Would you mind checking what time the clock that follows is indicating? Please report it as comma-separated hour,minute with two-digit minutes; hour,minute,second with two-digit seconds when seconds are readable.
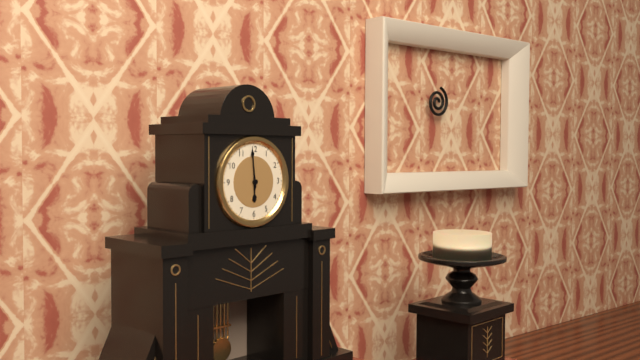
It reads 5,59
